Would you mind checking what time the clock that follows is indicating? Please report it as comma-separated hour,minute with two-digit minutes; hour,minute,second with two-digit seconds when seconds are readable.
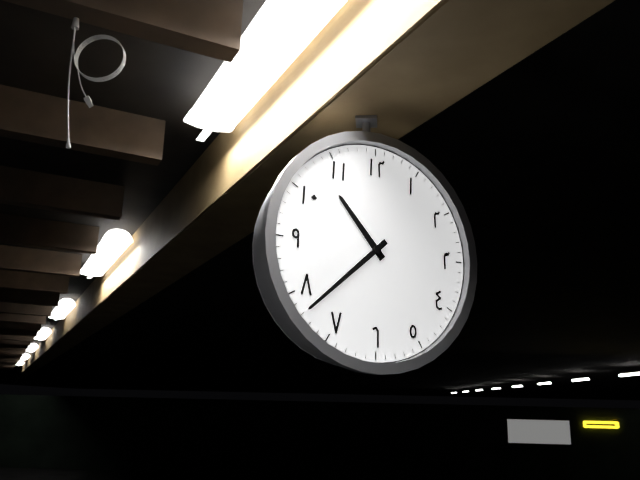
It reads 10,38
